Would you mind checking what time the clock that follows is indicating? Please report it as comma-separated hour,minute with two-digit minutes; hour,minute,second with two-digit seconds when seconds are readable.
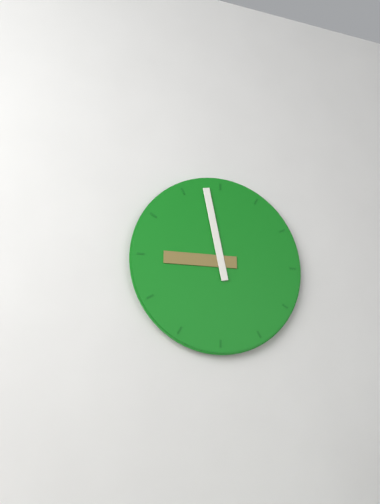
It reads 8,58
